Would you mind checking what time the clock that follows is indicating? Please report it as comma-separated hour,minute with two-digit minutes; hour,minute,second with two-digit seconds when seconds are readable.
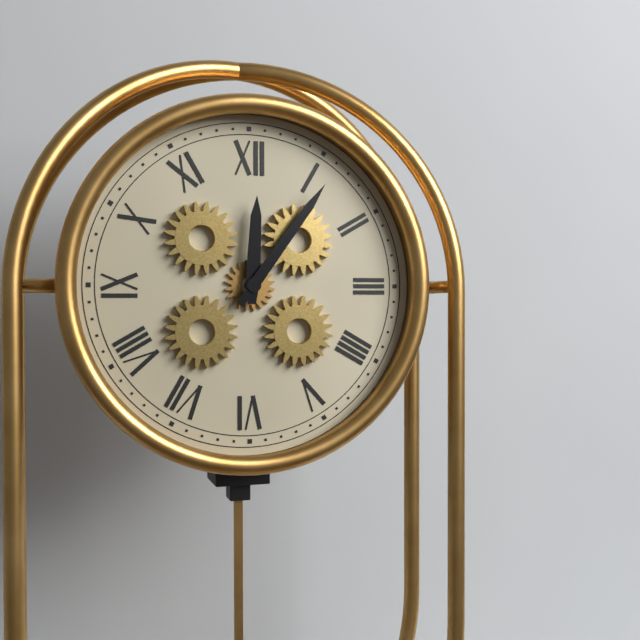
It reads 12,06
